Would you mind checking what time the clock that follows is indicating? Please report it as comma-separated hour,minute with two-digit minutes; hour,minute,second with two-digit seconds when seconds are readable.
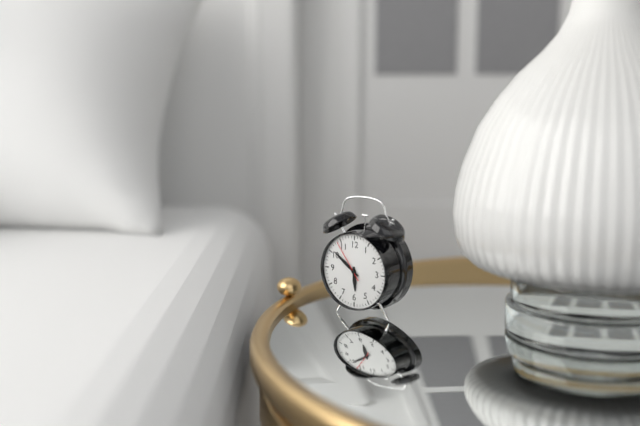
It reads 5,51
